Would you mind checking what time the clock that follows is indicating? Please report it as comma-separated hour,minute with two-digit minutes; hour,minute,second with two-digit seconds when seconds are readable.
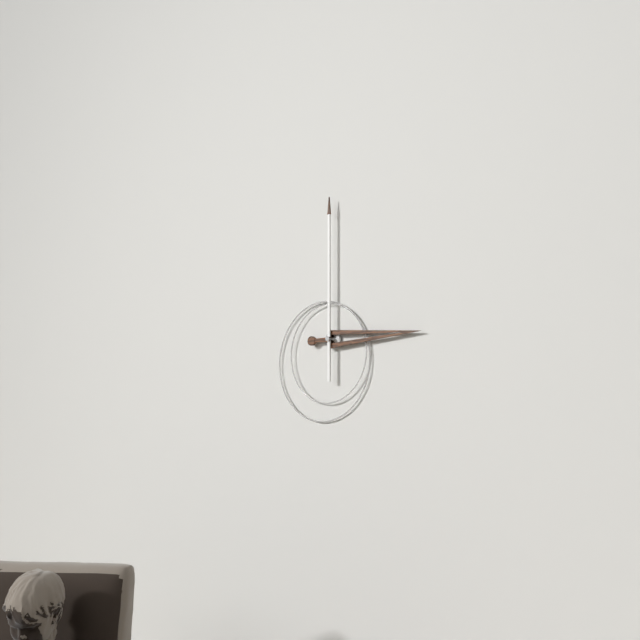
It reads 3,00
